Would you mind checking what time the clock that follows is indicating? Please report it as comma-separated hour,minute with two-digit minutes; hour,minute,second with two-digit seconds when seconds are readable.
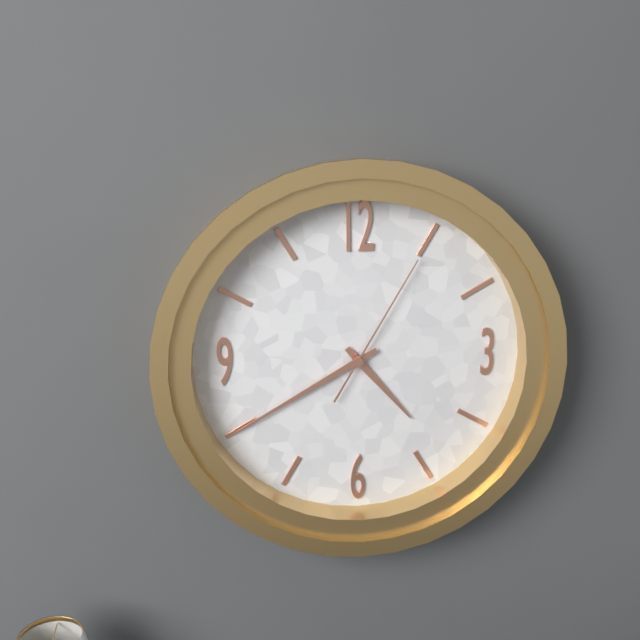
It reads 4,40,05
